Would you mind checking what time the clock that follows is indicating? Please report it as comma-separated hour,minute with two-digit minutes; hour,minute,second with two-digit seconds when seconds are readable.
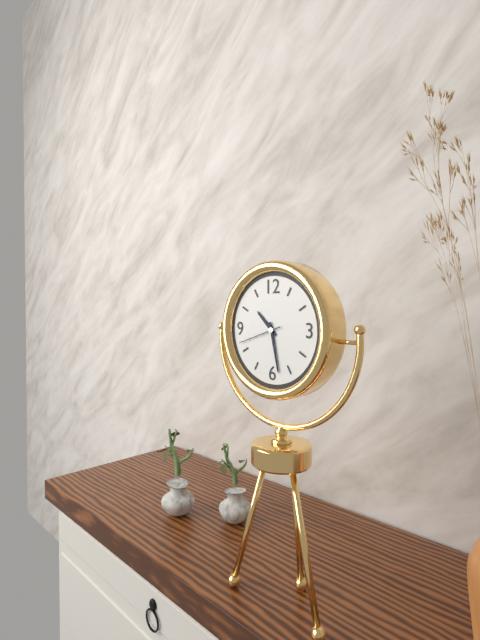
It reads 10,28
